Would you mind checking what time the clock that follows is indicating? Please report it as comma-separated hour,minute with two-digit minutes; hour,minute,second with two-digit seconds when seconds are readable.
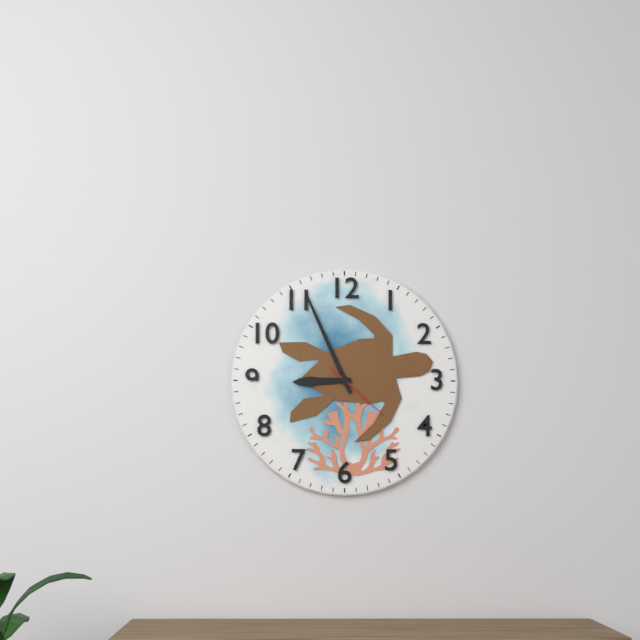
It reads 8,56,22
